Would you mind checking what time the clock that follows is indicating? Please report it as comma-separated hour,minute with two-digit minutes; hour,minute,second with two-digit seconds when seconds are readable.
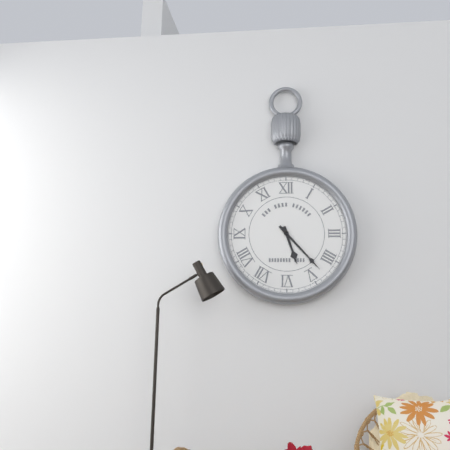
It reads 5,23
